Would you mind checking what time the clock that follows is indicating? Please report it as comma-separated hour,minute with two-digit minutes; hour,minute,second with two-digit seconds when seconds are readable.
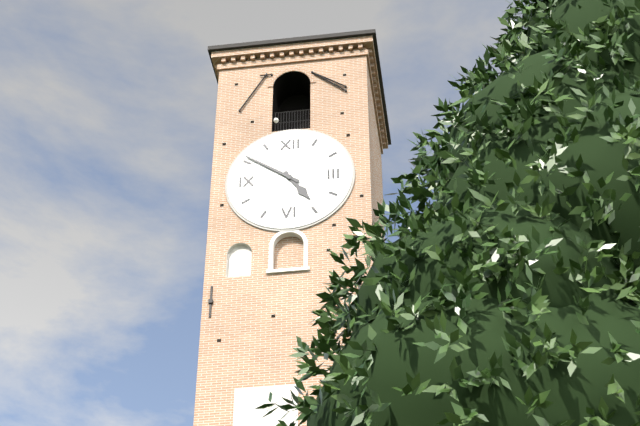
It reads 4,51
